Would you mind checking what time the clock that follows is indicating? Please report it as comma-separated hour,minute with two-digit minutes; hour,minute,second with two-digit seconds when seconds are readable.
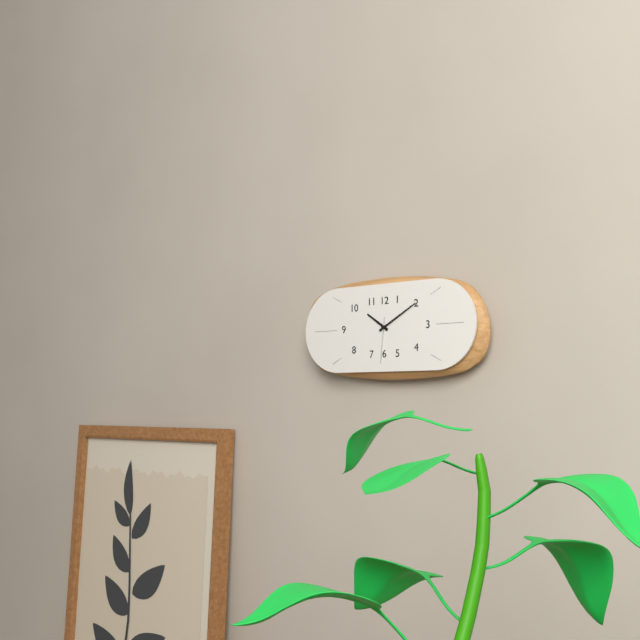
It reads 10,10
